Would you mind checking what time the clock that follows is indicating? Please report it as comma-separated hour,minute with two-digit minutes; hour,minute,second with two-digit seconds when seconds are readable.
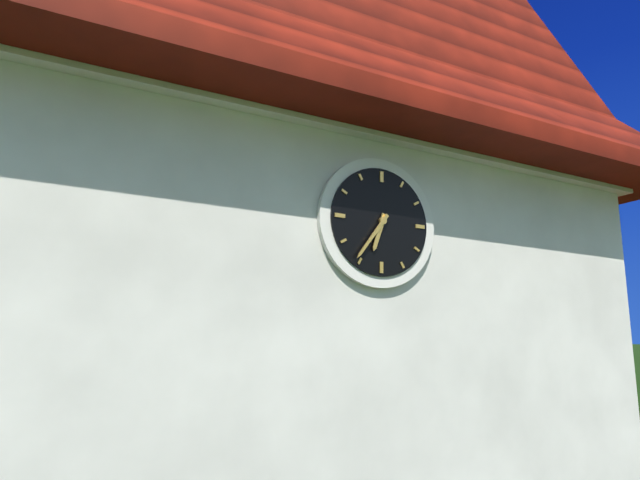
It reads 6,36
